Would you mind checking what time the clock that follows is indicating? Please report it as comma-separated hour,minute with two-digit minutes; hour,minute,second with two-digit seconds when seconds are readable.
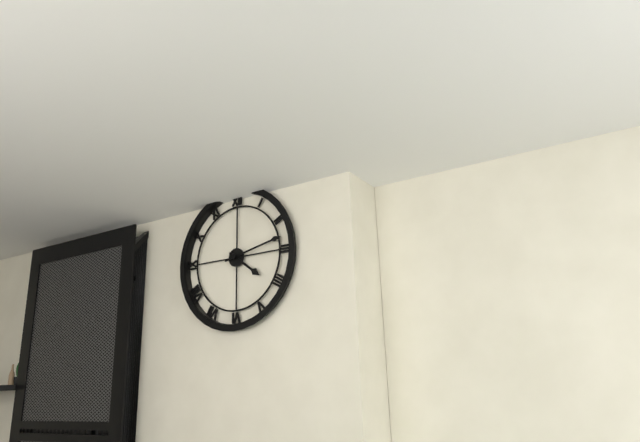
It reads 4,13
